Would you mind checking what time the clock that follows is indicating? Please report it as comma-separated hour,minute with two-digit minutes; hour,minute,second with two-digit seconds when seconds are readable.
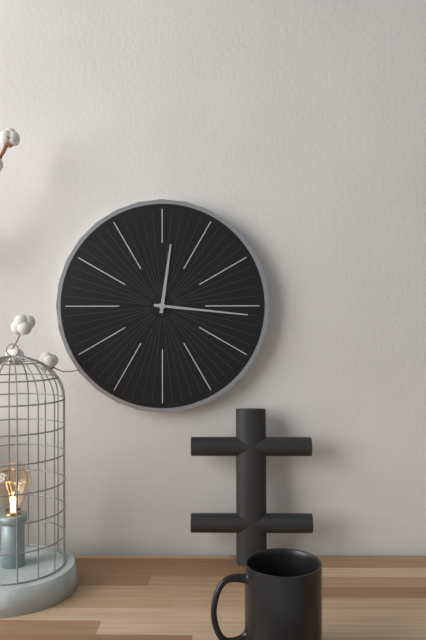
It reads 12,16
